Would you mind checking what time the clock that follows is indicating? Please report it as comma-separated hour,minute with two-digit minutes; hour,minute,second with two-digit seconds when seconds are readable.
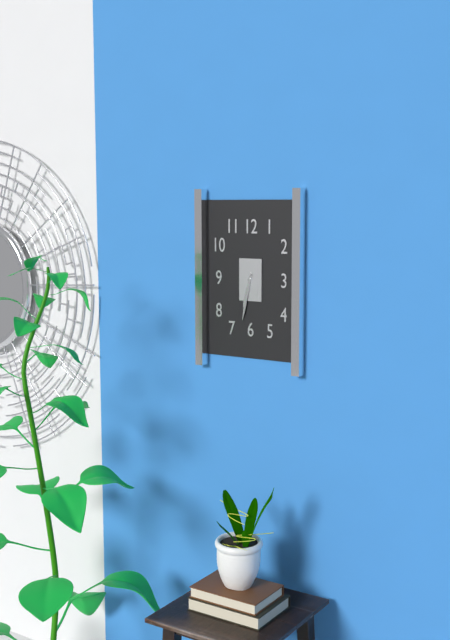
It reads 6,32
